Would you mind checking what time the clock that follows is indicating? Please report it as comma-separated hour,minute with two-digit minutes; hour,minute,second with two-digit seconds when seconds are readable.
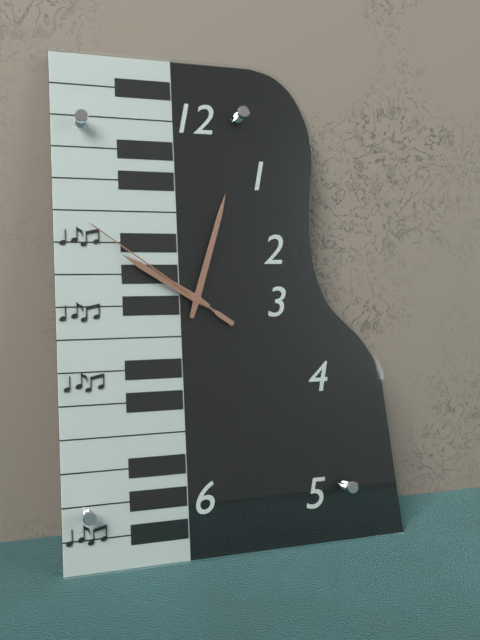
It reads 10,03,51
